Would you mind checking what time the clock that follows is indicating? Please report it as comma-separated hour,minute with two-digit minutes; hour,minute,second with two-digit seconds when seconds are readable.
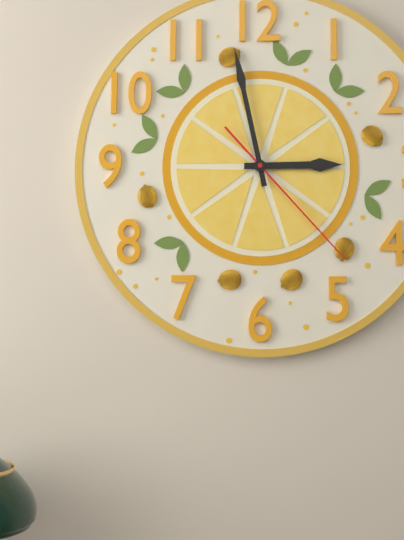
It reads 2,58,23
